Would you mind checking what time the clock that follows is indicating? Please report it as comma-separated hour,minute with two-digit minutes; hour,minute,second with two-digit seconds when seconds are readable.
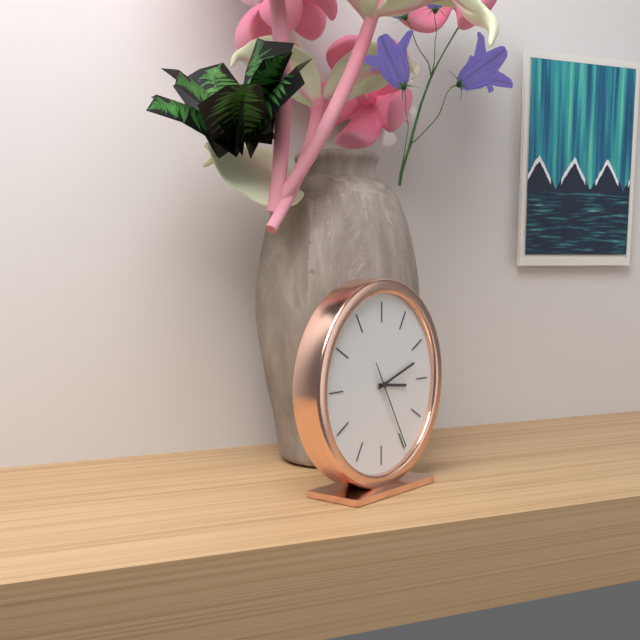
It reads 3,12,25
